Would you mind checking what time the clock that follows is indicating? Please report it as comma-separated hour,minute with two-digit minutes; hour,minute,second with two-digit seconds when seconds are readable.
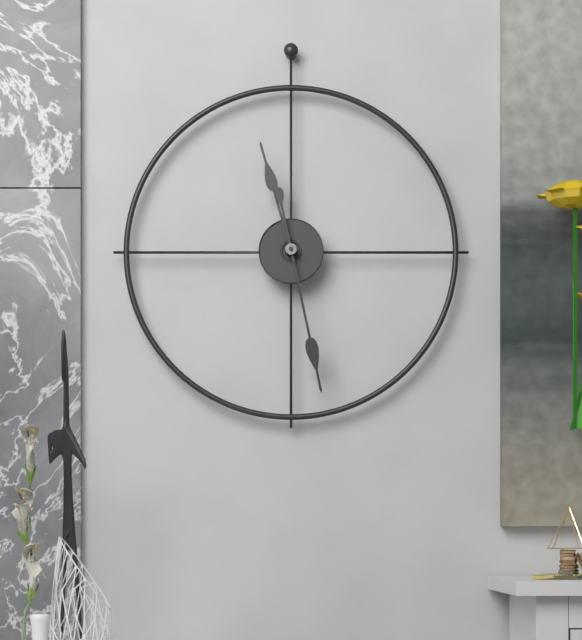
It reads 11,28
